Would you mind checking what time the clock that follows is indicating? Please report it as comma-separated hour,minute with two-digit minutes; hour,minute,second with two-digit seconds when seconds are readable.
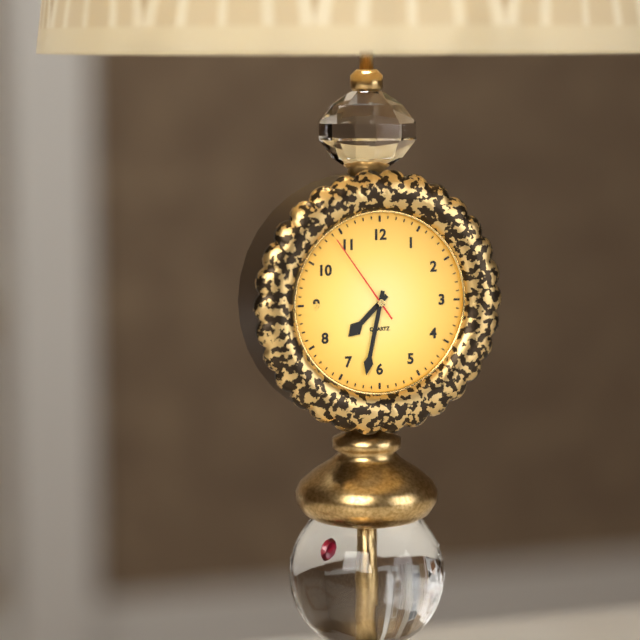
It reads 7,32,54
